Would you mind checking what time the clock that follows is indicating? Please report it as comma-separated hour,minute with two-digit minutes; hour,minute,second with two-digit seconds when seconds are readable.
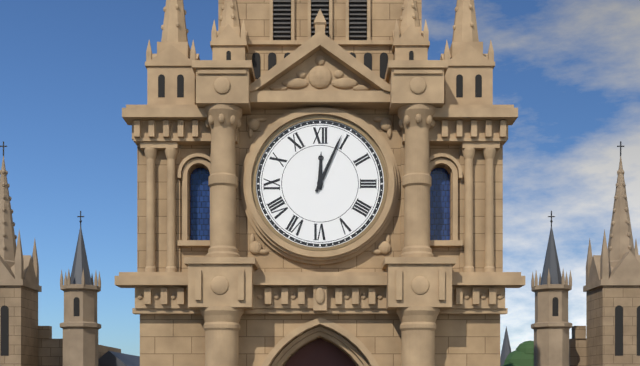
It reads 12,04
